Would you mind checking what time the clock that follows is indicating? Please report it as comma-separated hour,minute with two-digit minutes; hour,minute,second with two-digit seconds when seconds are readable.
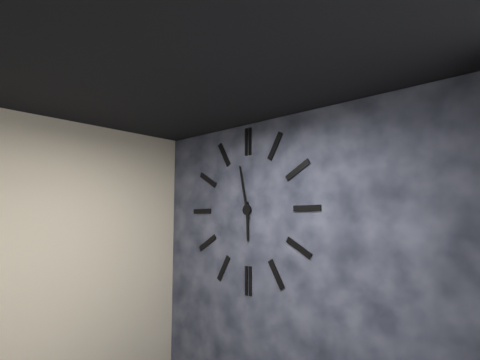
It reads 5,58
